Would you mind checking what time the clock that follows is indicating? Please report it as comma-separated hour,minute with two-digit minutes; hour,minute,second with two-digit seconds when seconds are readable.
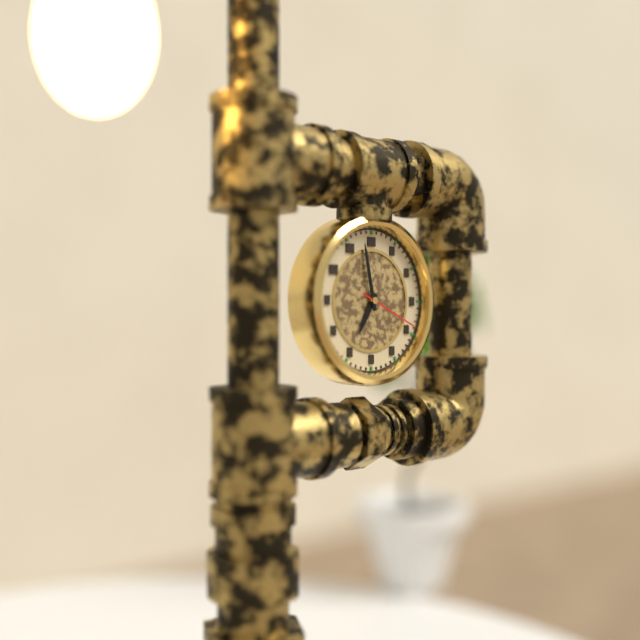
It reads 6,58,19
